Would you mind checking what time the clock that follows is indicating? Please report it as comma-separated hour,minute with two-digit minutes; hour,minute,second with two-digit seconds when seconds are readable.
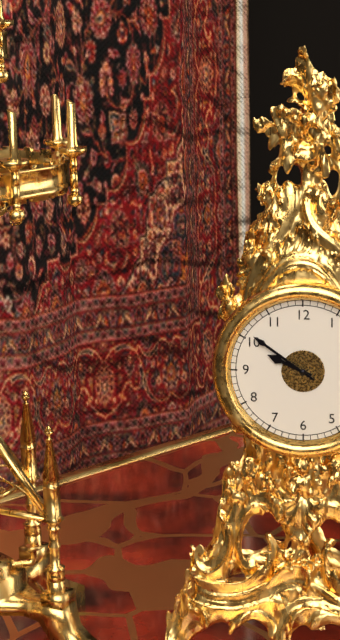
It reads 9,51
